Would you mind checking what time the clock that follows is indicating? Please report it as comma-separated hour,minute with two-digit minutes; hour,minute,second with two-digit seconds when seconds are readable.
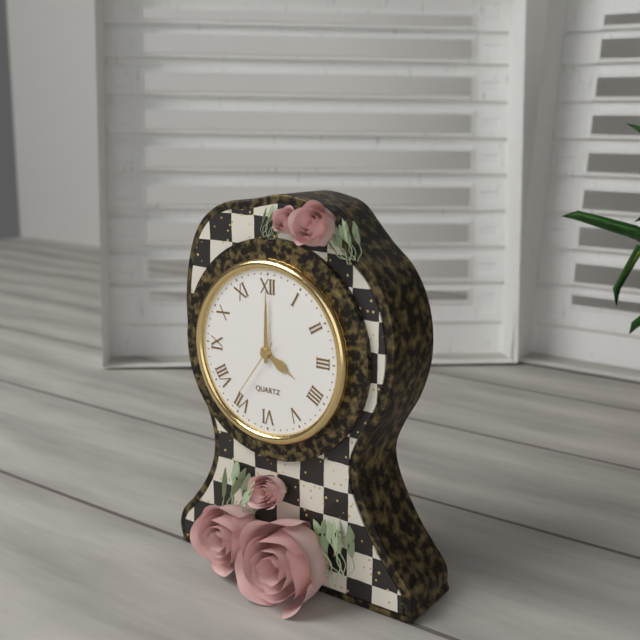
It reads 4,00,36
